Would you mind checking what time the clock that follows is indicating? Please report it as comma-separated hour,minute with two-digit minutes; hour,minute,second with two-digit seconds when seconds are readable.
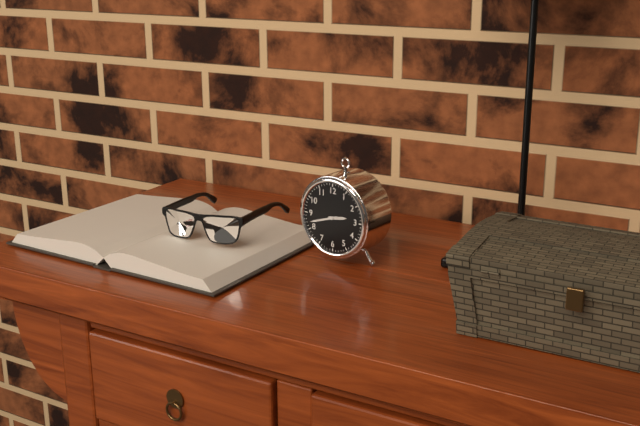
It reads 2,42
